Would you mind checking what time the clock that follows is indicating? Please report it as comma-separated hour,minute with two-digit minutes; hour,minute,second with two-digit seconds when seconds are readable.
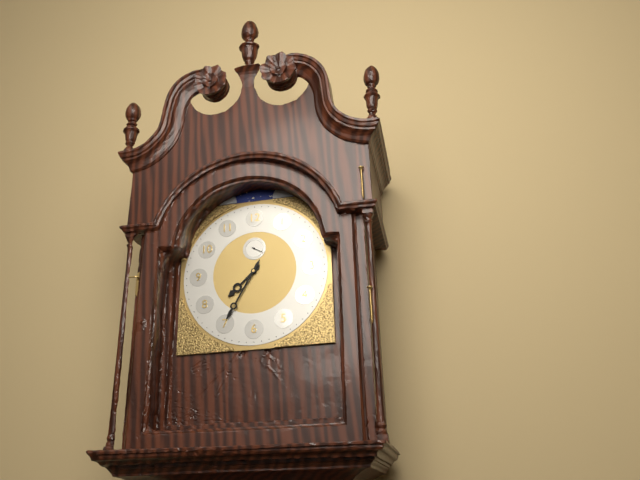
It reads 7,35
